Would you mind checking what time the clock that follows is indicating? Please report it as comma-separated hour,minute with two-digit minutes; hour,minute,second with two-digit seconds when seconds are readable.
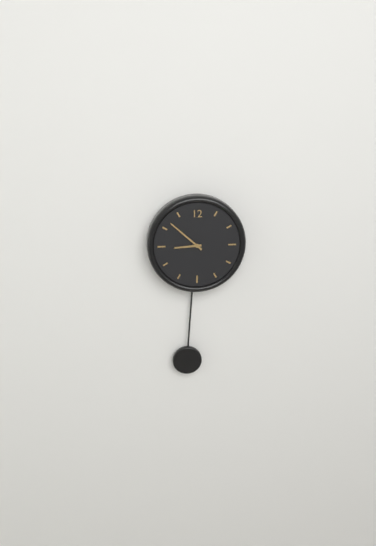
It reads 8,52
